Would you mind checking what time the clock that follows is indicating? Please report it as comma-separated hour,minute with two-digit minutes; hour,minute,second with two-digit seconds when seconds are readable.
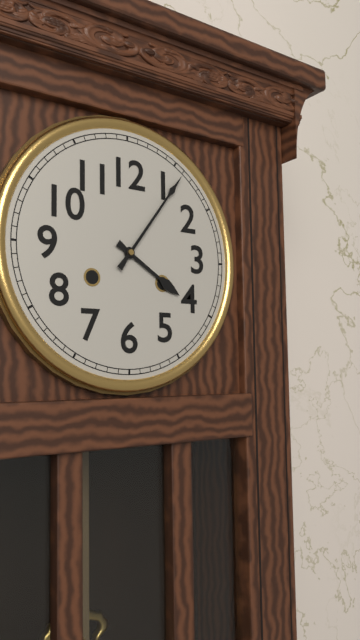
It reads 4,06
